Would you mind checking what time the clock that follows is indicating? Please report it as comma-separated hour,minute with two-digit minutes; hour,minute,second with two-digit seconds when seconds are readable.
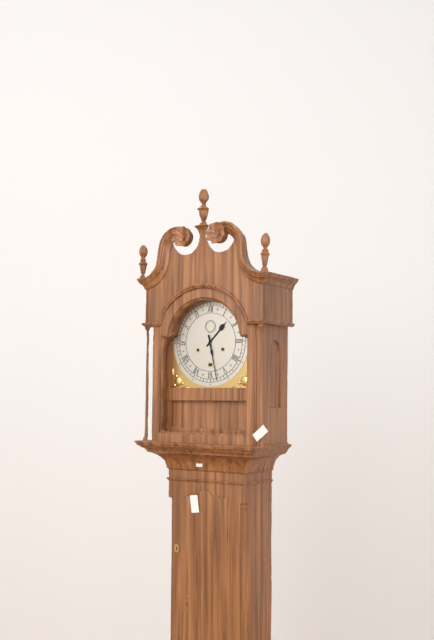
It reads 1,28
